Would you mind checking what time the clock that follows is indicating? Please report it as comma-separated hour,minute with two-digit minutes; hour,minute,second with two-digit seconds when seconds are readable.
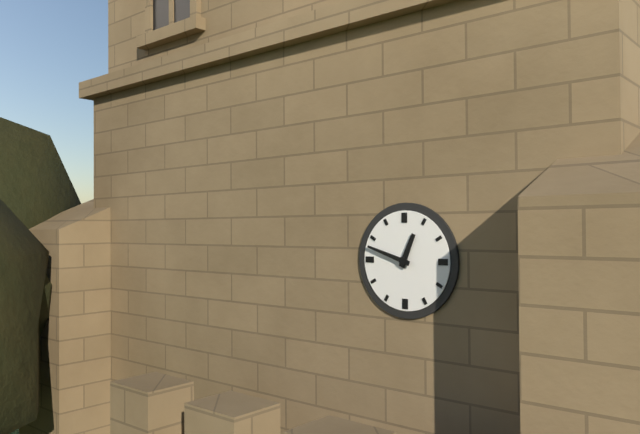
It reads 12,48
